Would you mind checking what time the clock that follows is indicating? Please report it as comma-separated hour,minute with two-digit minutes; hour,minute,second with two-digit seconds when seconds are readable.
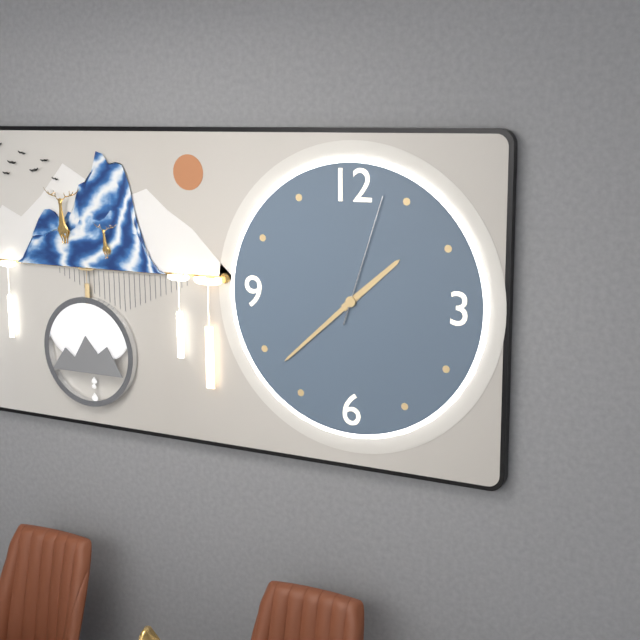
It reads 1,38,03
